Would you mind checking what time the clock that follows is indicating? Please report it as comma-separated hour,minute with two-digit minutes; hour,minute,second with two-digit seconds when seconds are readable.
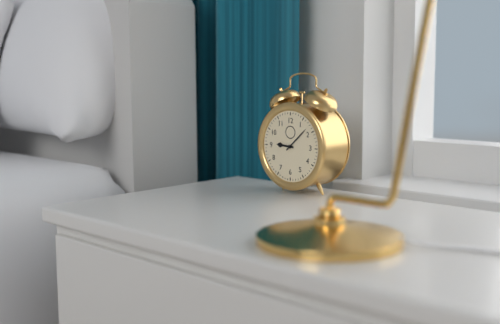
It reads 9,08
